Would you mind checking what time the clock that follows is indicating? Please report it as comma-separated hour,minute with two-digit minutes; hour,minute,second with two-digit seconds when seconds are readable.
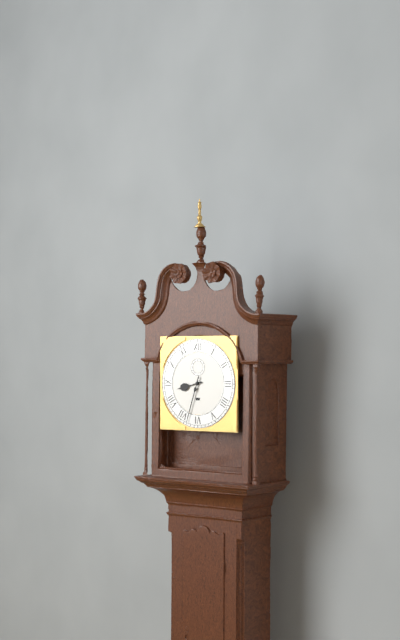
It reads 8,33
